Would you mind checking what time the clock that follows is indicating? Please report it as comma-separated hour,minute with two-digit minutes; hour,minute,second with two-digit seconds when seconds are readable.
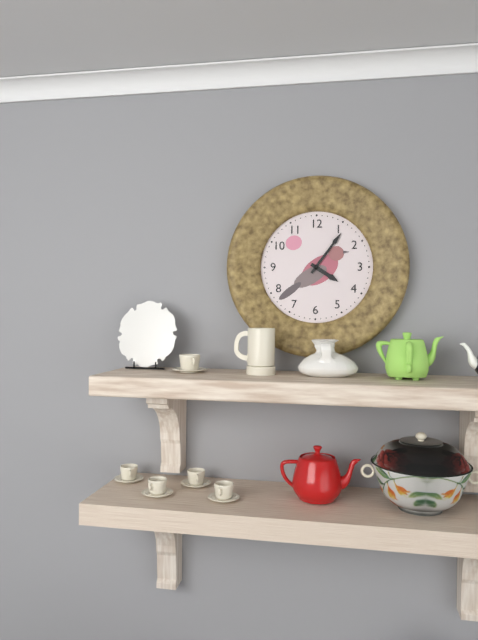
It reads 4,06
